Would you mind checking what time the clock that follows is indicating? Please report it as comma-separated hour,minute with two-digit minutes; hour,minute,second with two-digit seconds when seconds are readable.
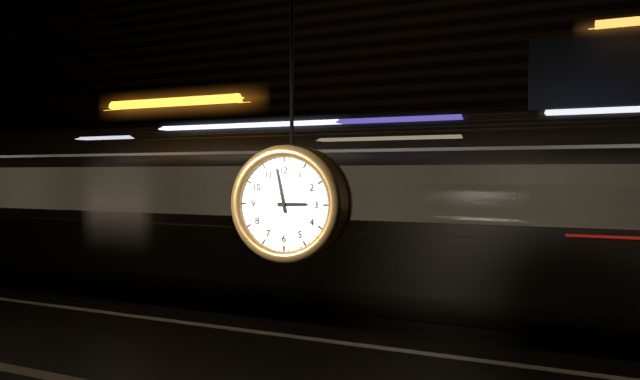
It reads 2,58
